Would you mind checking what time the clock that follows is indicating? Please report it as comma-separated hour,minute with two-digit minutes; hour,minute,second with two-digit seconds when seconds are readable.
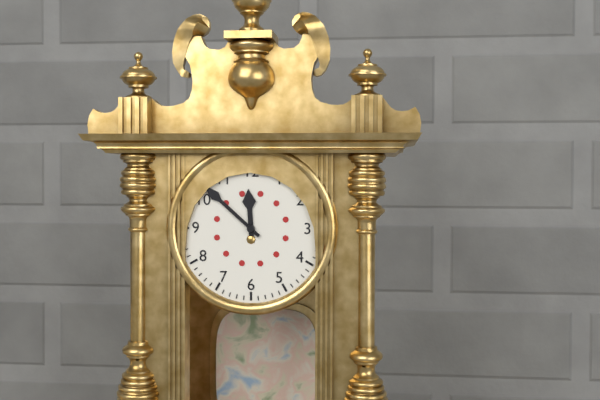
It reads 11,52
